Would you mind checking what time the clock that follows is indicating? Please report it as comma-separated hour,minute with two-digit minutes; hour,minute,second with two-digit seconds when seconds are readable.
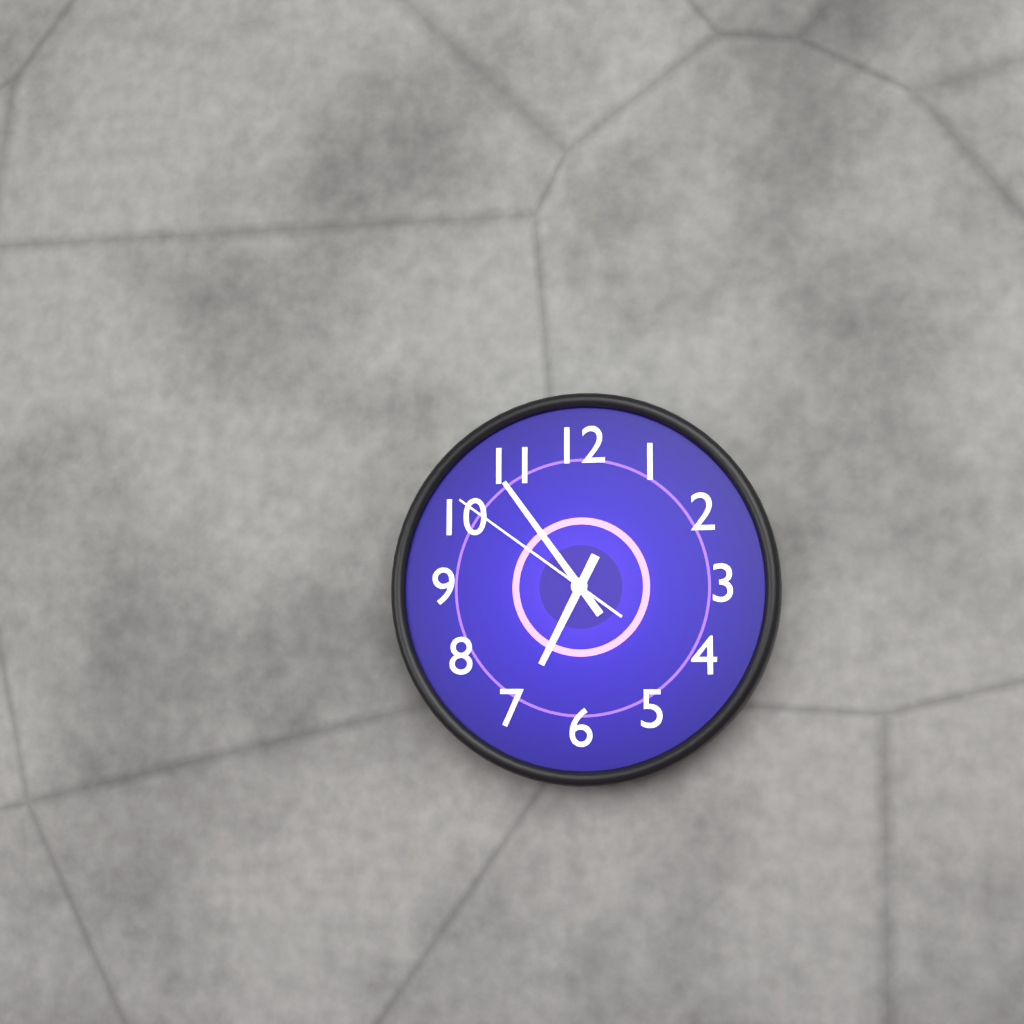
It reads 6,54,51
